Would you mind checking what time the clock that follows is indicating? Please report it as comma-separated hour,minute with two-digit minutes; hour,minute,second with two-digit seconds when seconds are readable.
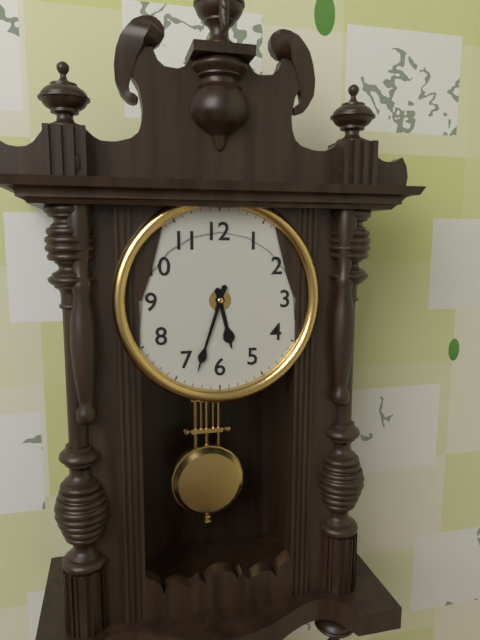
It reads 5,33
